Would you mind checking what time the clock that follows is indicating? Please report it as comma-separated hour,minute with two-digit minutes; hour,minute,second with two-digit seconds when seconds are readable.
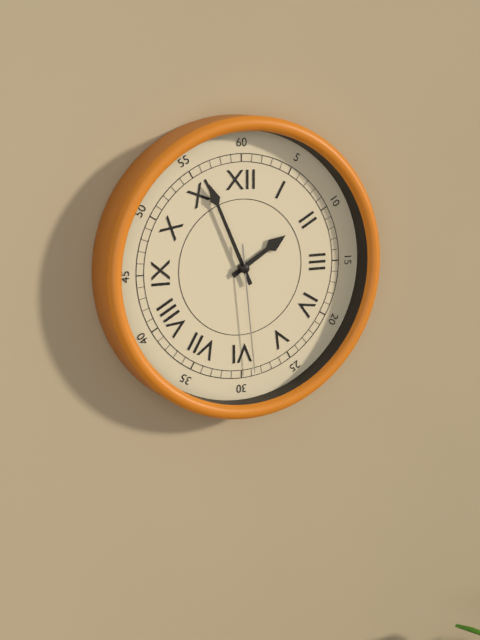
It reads 1,56,29
